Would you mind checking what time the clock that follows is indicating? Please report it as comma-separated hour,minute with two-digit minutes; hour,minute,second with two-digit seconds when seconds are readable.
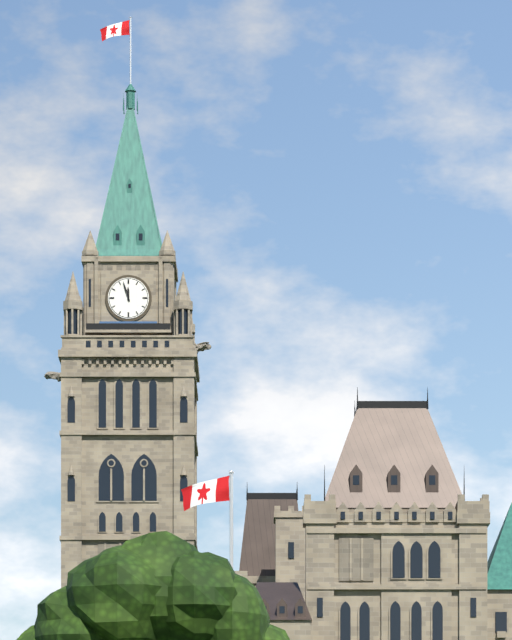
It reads 11,57
